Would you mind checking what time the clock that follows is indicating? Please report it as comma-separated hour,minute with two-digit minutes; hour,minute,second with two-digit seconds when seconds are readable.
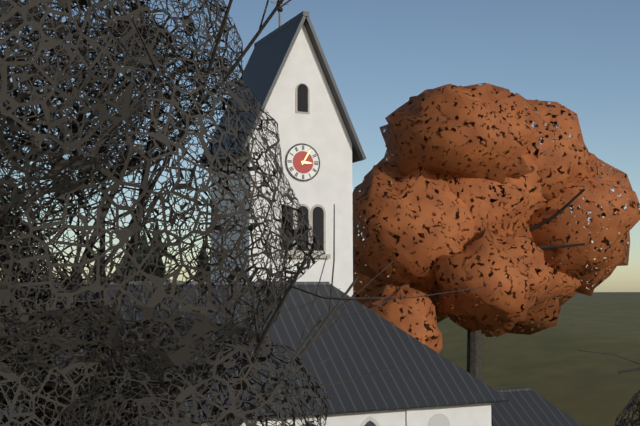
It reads 3,05
